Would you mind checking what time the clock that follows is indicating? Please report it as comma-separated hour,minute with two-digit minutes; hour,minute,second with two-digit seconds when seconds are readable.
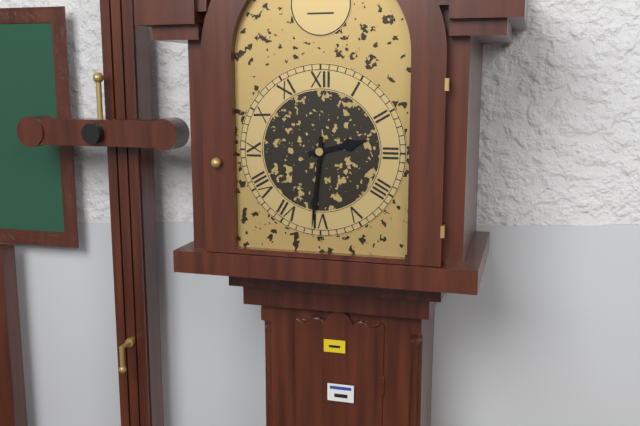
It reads 2,31
